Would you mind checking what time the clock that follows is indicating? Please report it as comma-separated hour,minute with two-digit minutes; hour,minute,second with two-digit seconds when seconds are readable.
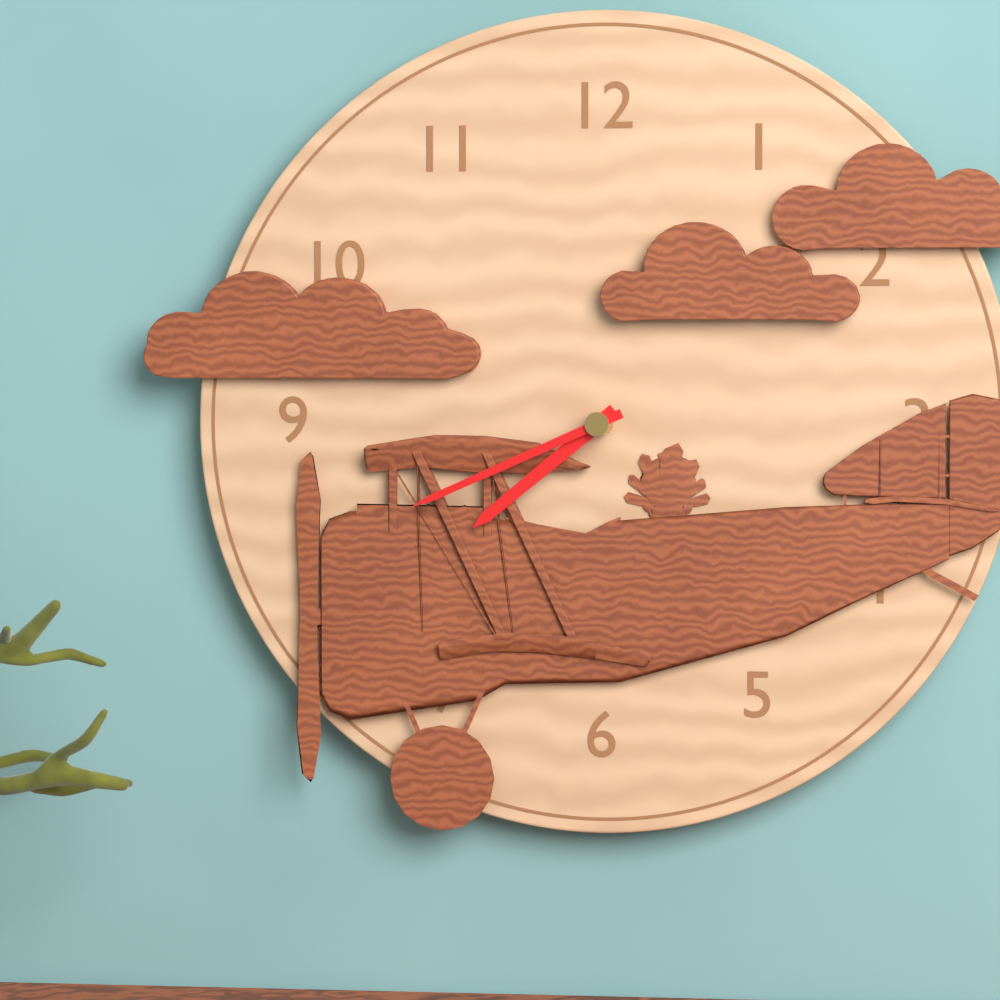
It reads 7,41
